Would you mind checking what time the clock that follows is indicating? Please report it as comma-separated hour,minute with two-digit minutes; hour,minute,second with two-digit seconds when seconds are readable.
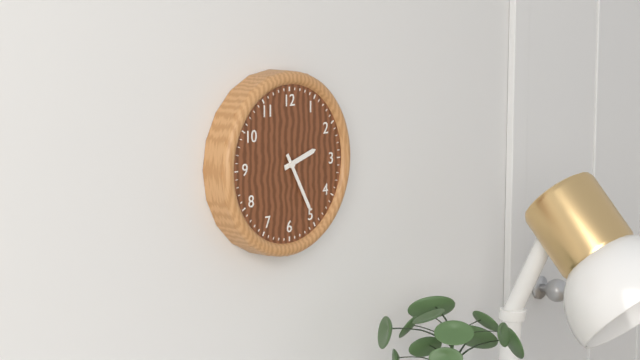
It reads 2,25
